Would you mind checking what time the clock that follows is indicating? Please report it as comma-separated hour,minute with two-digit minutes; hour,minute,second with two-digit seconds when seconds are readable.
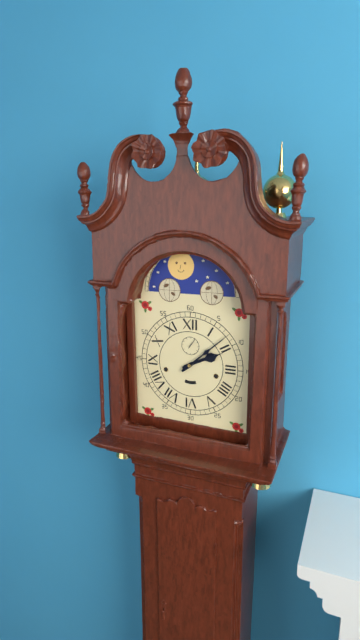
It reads 2,08
